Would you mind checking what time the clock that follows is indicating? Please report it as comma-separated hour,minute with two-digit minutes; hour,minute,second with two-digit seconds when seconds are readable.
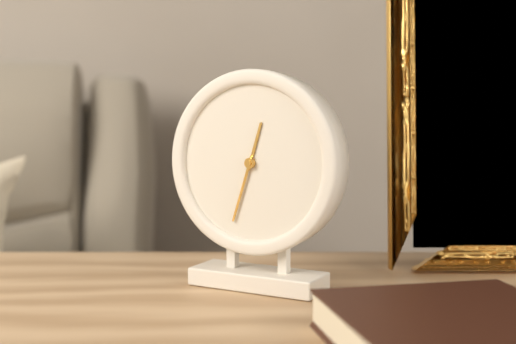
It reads 12,33
